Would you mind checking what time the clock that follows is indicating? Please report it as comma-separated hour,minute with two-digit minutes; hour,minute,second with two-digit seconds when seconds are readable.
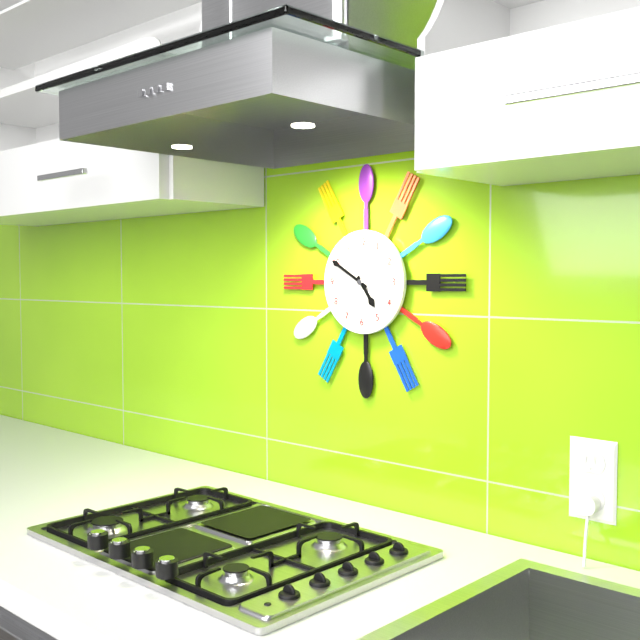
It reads 4,50
